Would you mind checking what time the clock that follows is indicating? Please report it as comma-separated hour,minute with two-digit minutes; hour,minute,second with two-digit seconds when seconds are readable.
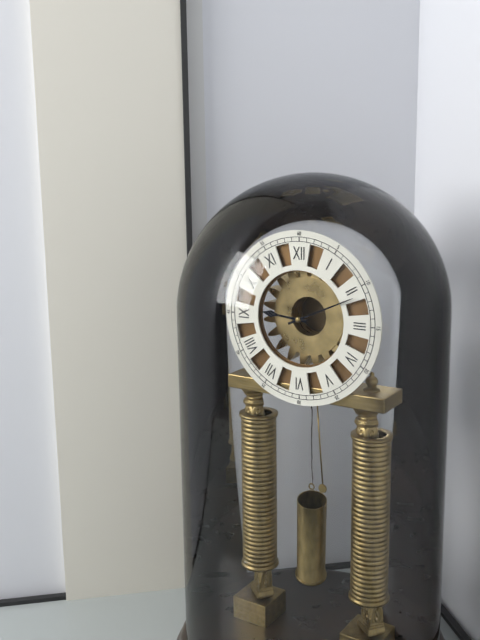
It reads 9,11
